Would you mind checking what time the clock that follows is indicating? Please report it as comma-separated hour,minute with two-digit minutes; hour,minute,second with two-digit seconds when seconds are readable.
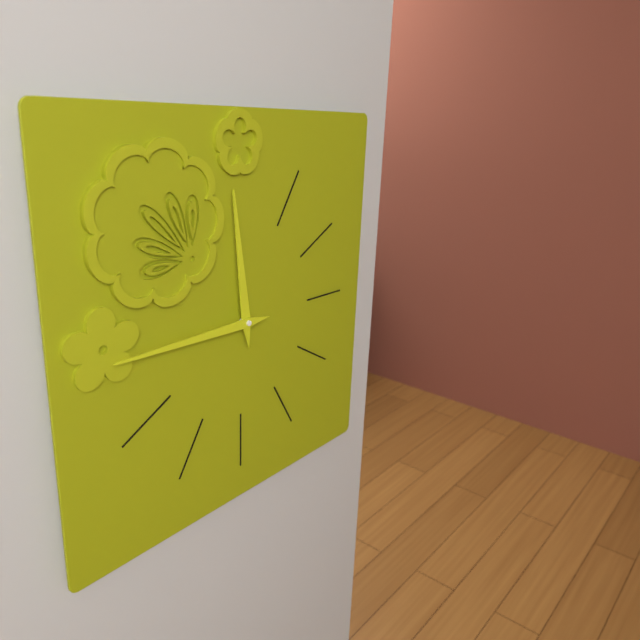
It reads 11,45
